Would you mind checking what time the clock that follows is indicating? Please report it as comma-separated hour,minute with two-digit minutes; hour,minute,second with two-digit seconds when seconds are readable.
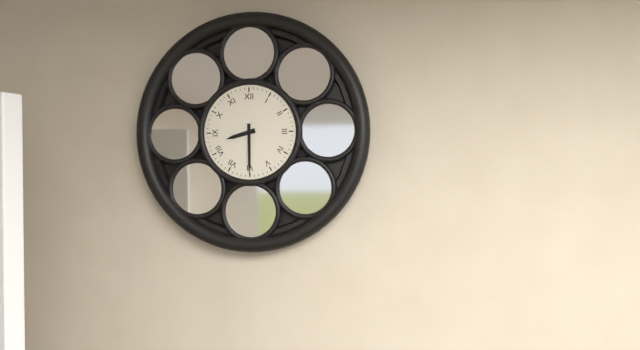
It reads 8,30
